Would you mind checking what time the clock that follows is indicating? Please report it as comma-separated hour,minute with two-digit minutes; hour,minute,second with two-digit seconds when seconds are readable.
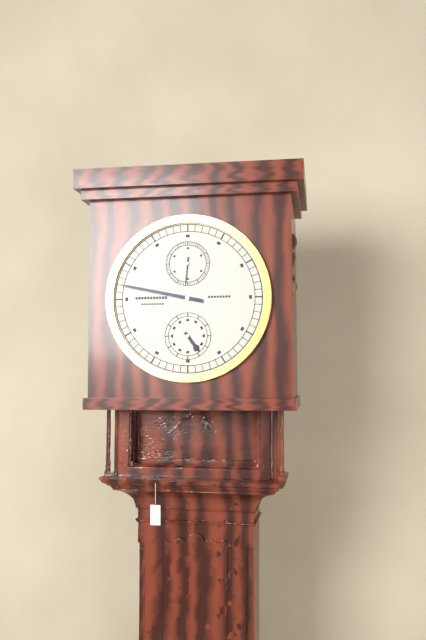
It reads 4,47
